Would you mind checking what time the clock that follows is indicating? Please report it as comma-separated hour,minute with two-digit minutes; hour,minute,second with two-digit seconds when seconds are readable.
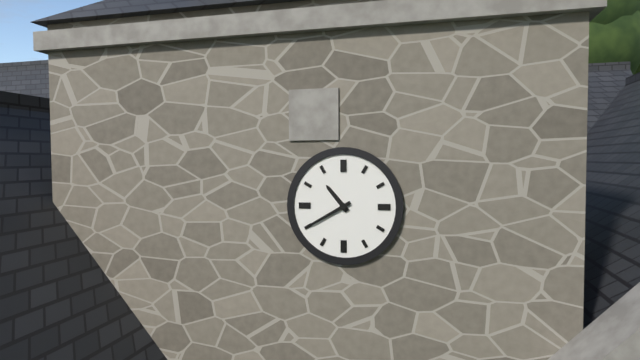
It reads 10,40
